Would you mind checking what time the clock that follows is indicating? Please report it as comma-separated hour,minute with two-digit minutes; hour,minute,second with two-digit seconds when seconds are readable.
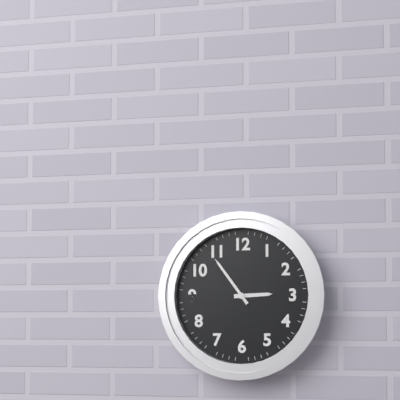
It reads 2,54
